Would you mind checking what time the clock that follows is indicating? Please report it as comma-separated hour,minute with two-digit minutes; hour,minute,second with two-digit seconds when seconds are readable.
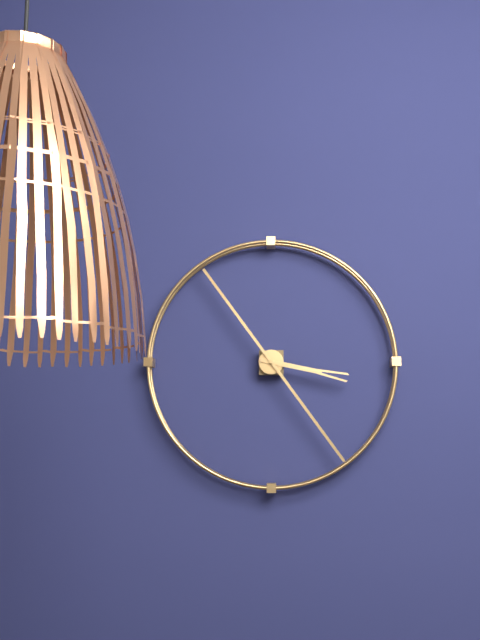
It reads 3,24
